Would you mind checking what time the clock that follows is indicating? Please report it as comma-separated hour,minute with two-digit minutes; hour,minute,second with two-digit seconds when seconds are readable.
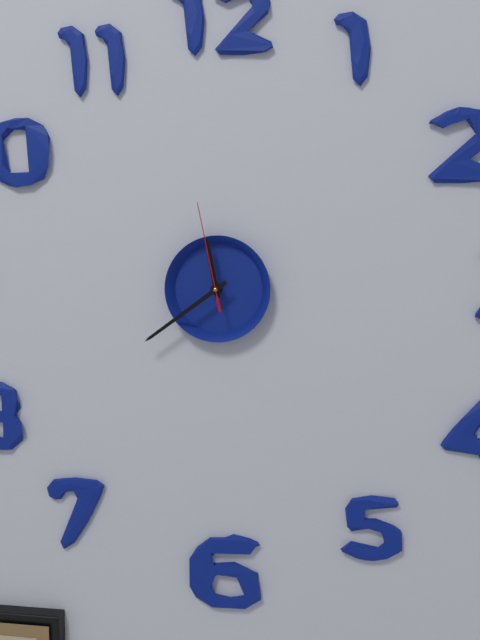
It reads 11,39,58
